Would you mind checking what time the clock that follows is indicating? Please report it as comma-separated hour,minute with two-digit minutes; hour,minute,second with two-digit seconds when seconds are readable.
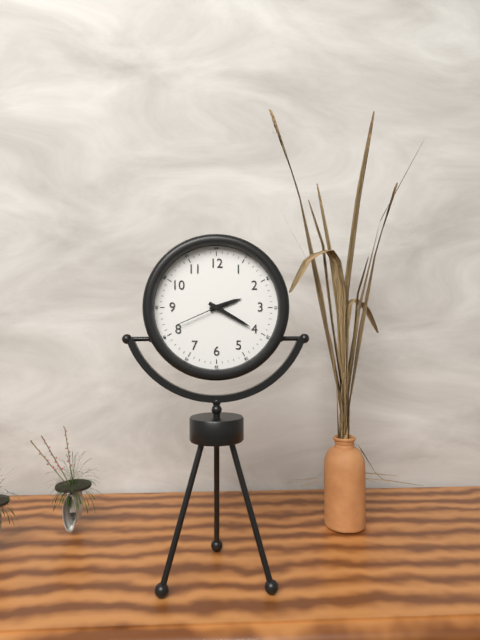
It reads 2,20,41
